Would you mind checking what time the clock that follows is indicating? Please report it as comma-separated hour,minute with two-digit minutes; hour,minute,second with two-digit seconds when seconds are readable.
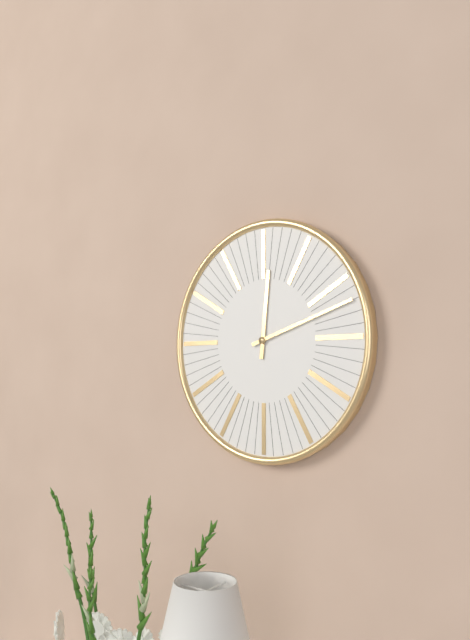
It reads 12,12
